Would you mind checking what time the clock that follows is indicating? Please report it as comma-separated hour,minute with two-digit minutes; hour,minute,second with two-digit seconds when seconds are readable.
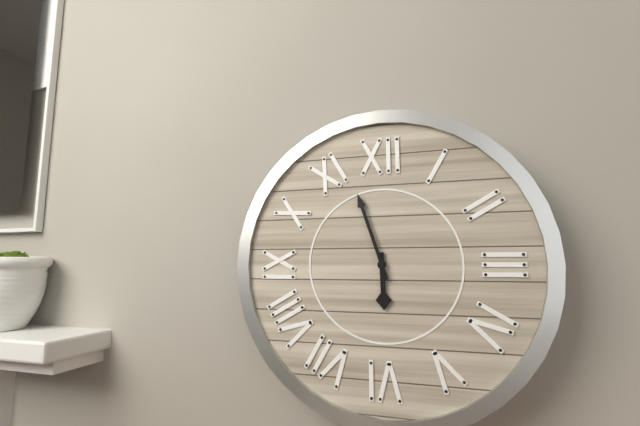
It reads 5,57
